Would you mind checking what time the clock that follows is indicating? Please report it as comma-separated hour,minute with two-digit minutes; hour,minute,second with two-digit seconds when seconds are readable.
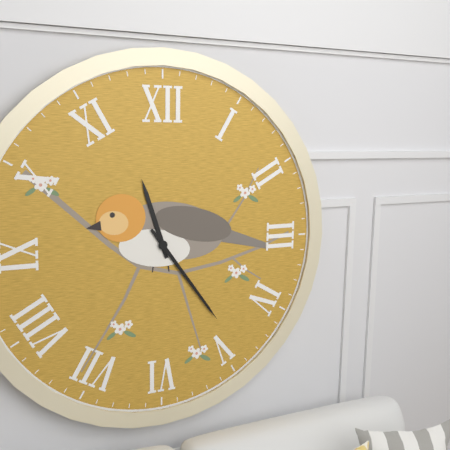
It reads 11,24
